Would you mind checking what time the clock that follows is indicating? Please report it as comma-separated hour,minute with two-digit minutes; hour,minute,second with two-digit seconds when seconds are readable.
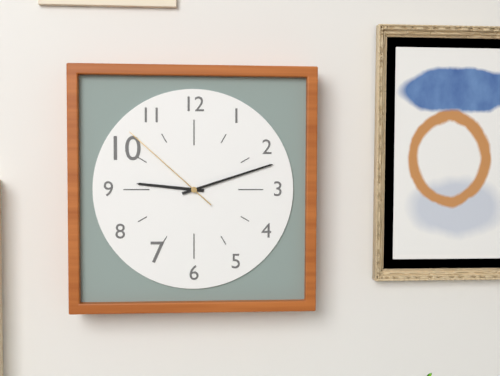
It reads 9,12,52
